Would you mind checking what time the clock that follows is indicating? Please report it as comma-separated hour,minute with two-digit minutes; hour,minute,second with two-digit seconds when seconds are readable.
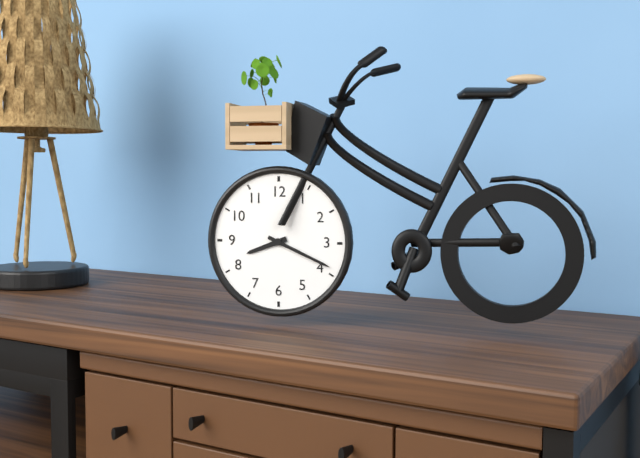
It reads 8,19
